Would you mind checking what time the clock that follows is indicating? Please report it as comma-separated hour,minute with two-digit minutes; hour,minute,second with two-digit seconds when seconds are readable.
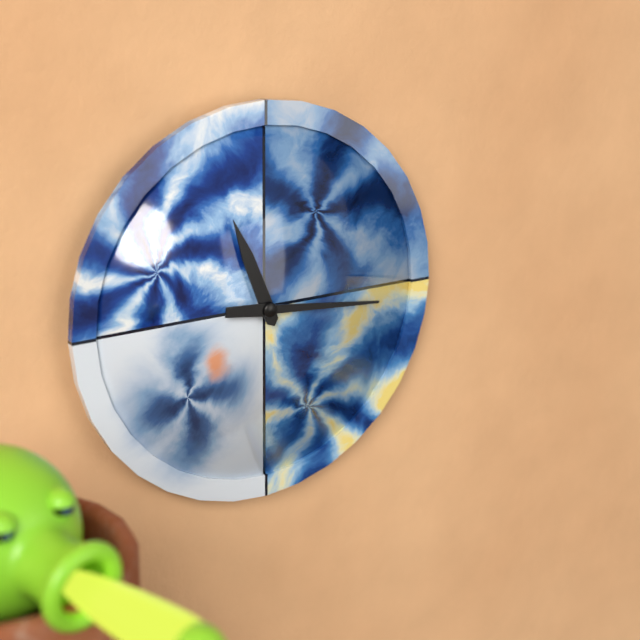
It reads 11,16
